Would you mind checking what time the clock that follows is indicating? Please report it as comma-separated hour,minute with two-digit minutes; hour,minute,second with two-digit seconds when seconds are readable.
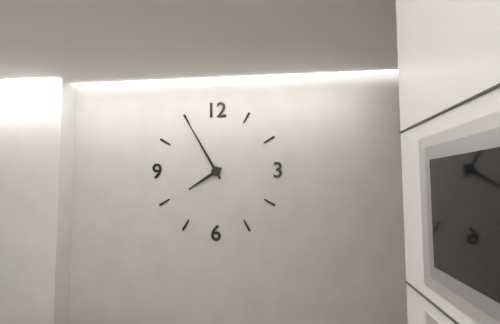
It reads 7,55
